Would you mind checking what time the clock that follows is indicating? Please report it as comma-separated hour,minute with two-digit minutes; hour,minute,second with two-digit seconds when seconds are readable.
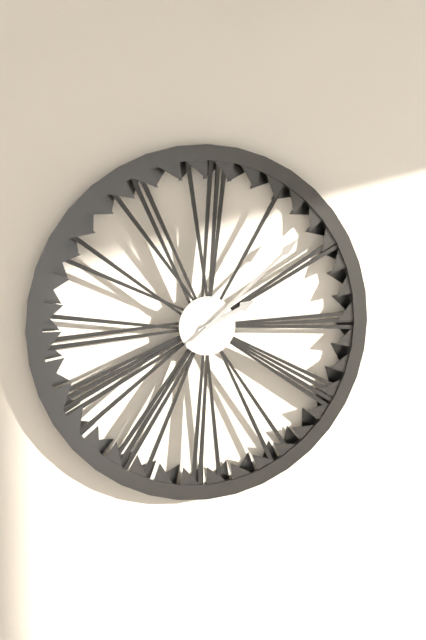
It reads 2,08
